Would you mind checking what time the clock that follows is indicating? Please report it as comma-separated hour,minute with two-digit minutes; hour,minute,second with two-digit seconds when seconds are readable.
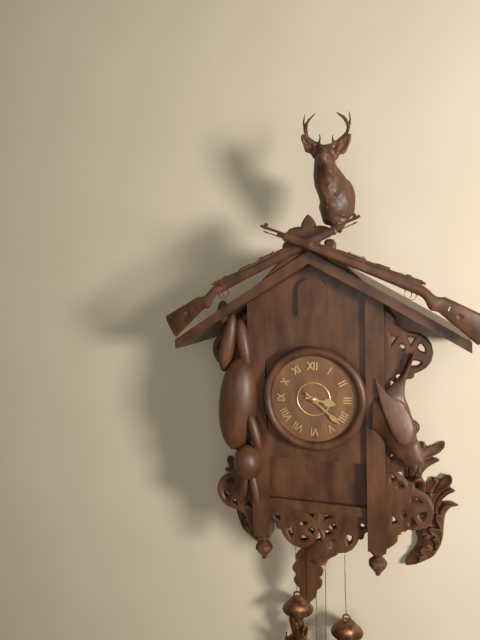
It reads 3,22
